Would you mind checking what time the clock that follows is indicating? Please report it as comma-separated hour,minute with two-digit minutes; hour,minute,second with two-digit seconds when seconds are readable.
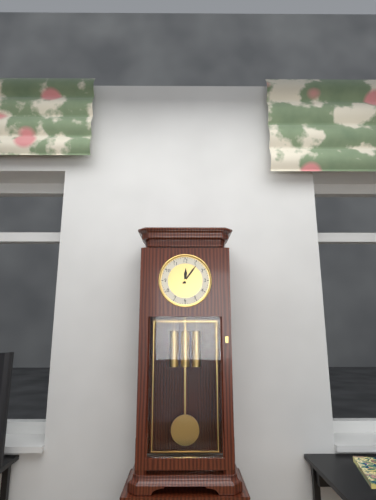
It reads 12,06
